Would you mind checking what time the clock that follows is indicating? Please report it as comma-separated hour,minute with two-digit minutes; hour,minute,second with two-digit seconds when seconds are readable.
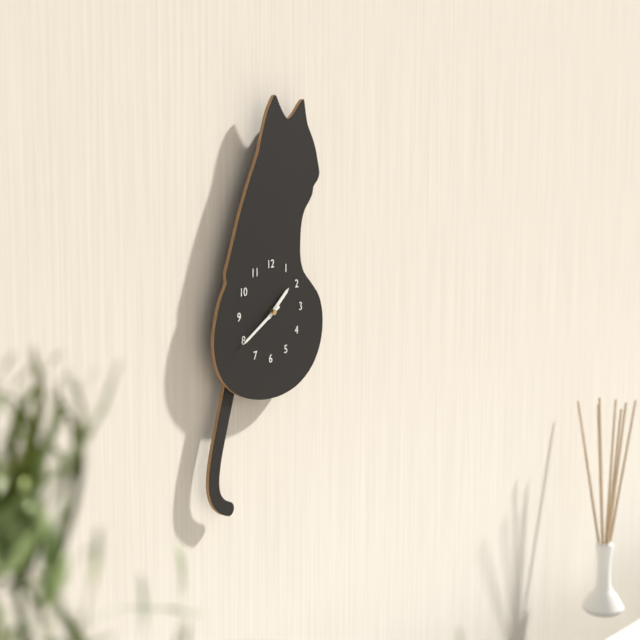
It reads 1,40
